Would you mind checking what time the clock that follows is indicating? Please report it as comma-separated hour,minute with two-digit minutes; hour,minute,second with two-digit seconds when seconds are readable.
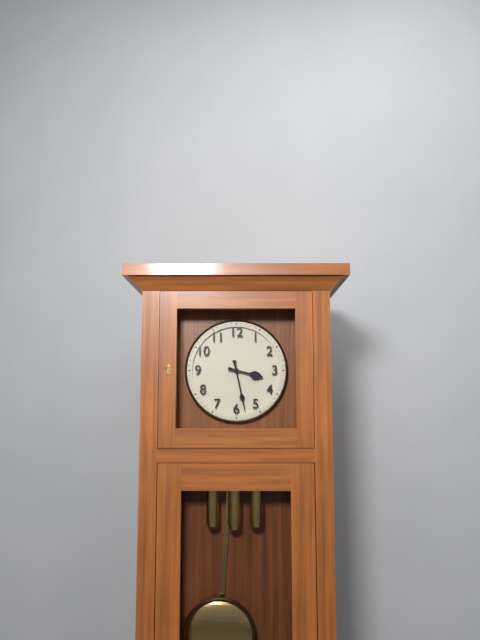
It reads 3,28
